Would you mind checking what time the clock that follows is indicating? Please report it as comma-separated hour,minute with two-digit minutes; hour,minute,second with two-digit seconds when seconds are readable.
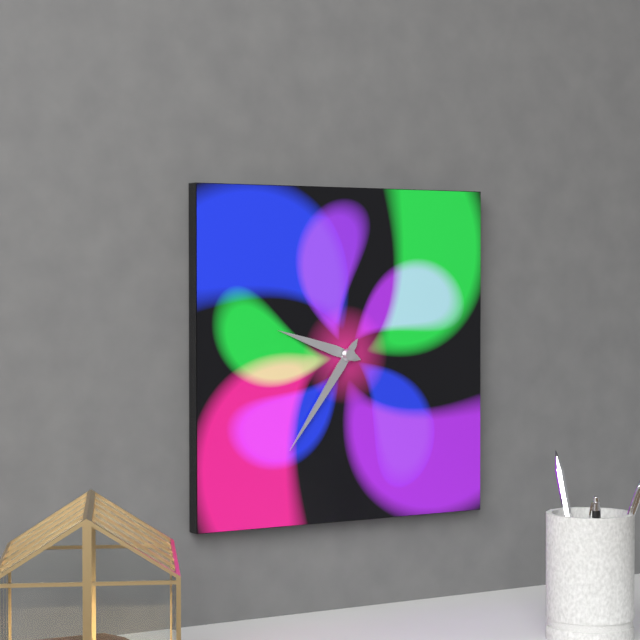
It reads 9,36
